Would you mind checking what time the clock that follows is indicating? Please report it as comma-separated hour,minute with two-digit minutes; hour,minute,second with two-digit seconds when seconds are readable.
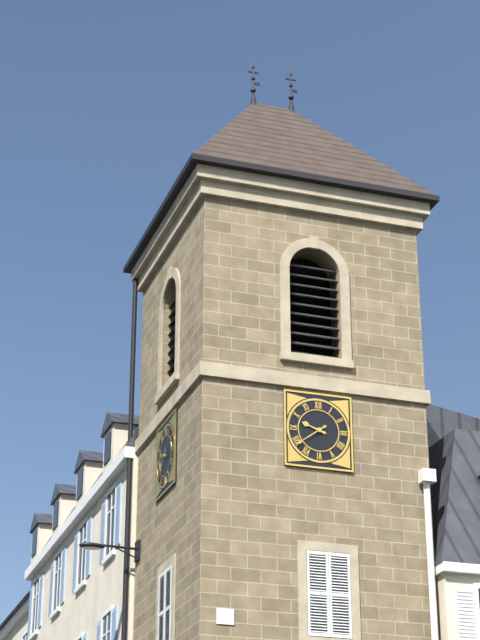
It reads 9,39
